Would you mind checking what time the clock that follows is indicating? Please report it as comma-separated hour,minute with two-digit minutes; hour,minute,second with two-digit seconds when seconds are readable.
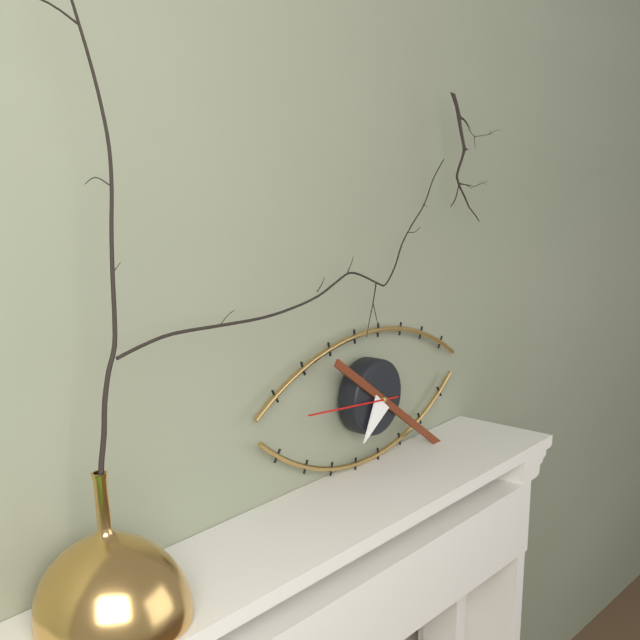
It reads 7,21,46
